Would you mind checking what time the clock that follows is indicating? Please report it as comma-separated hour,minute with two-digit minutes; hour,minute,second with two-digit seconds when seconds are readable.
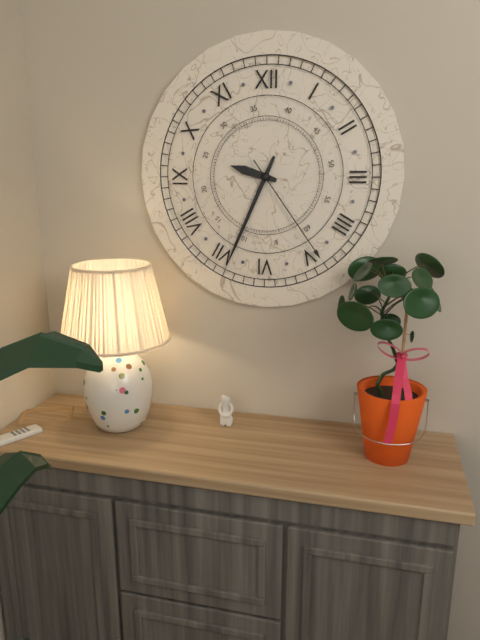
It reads 9,34,24
